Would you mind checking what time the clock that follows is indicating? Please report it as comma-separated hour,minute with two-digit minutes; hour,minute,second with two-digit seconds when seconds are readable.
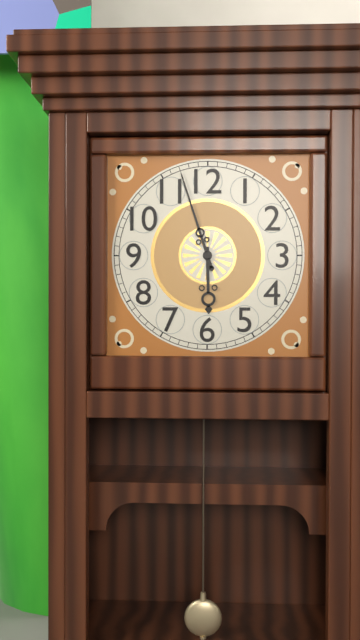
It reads 5,57
